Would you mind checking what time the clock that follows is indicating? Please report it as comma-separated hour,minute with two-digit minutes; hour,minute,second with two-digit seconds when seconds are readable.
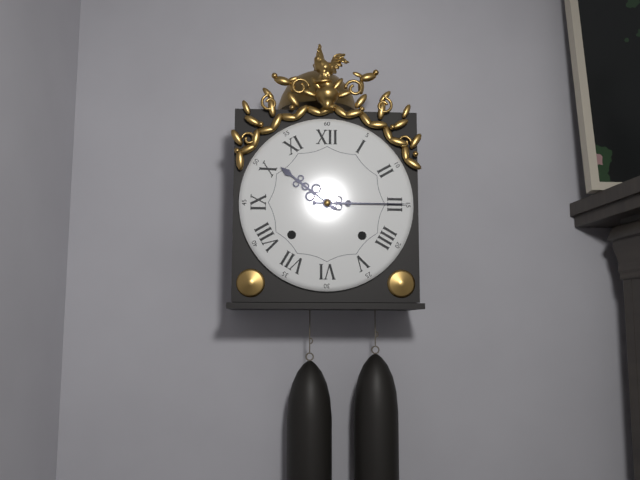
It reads 10,15
